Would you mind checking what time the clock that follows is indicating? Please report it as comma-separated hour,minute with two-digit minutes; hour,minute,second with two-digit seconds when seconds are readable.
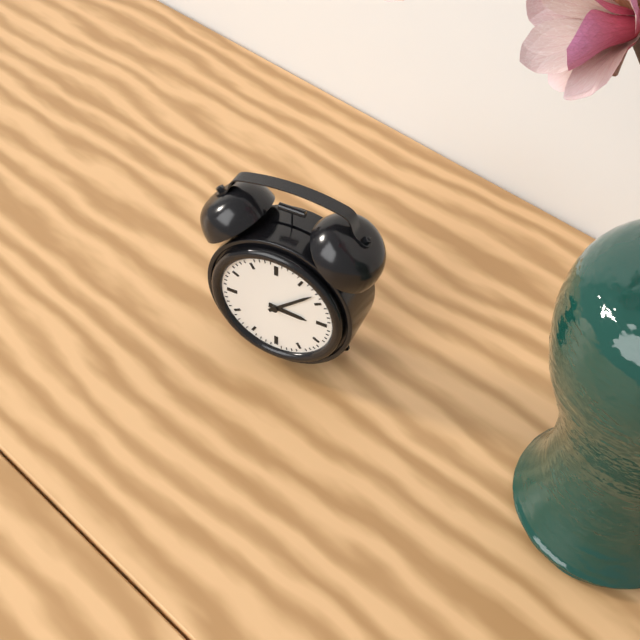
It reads 3,08
